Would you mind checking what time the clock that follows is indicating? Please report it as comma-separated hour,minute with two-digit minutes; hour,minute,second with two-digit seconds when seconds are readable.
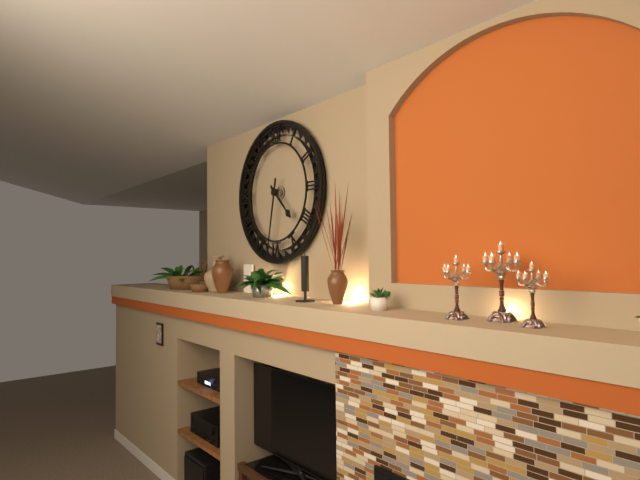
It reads 4,32
